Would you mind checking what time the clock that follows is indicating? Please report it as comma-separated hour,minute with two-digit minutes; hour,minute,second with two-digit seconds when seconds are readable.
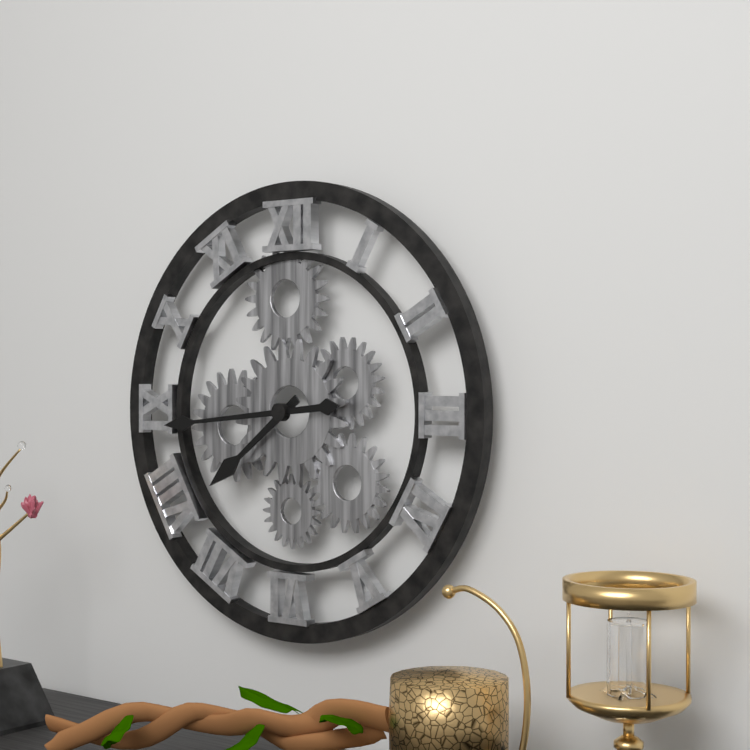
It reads 7,44
